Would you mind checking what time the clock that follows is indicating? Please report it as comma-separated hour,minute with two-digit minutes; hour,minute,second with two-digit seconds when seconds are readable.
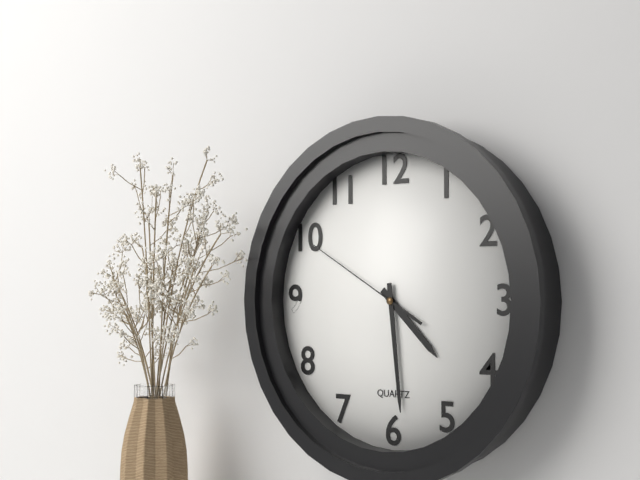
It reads 4,29,50
